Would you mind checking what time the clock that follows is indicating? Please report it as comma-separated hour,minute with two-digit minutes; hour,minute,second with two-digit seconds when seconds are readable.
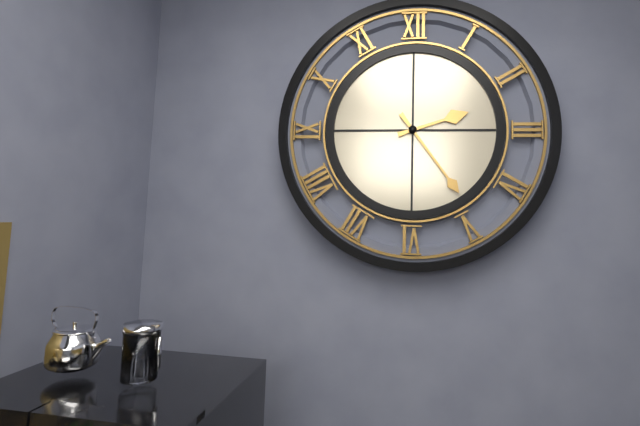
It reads 2,24
